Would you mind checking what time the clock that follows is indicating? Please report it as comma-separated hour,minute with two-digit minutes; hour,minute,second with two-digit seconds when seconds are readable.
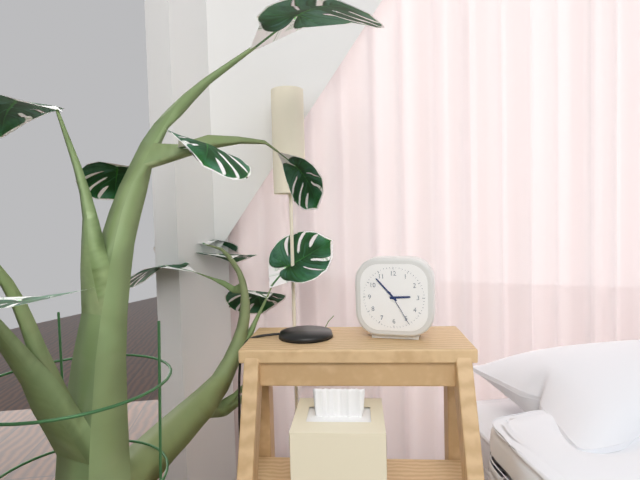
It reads 2,53
